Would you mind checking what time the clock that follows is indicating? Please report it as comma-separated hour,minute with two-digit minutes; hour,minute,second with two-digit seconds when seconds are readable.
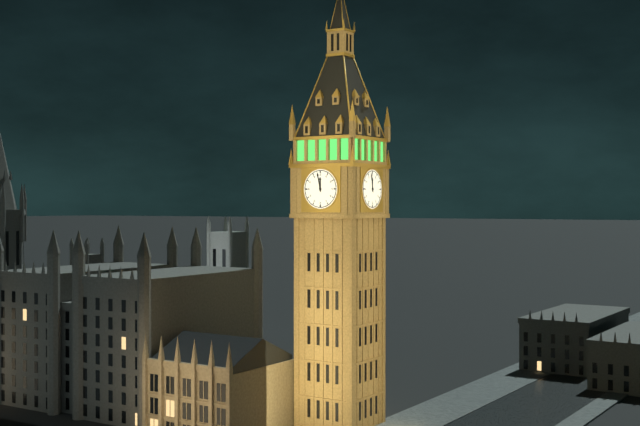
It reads 11,58
